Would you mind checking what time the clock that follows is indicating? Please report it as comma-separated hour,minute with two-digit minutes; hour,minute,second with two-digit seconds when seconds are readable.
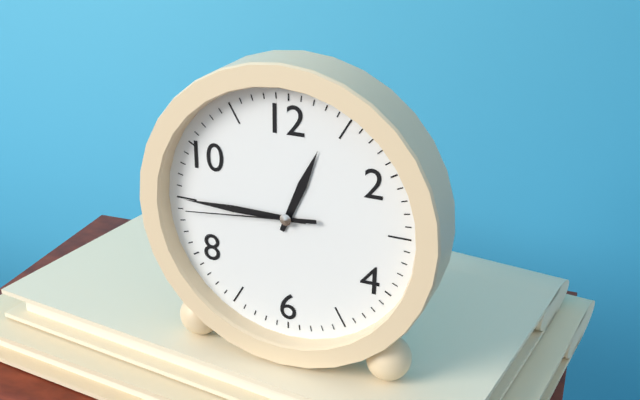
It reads 12,45,44
